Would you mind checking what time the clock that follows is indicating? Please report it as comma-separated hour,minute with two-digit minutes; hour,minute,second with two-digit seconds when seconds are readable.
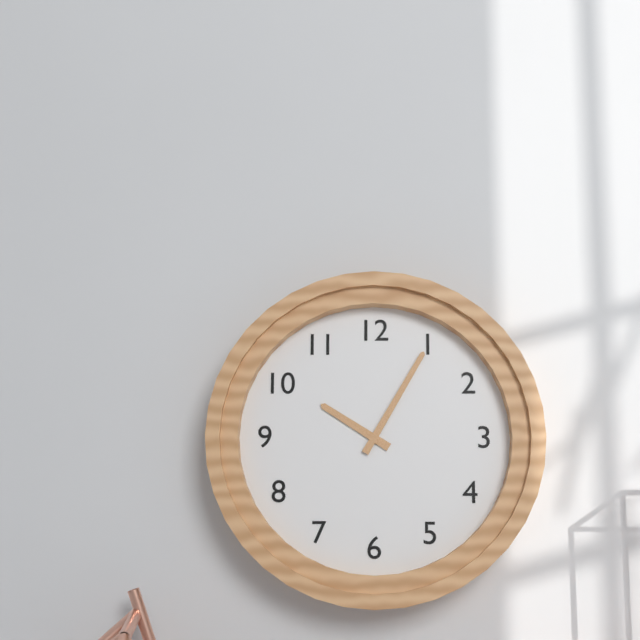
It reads 10,05
